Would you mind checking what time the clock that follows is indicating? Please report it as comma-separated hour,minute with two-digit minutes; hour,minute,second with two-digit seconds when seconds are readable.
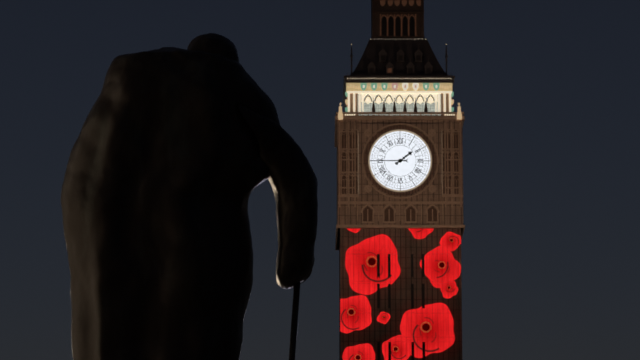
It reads 1,45
